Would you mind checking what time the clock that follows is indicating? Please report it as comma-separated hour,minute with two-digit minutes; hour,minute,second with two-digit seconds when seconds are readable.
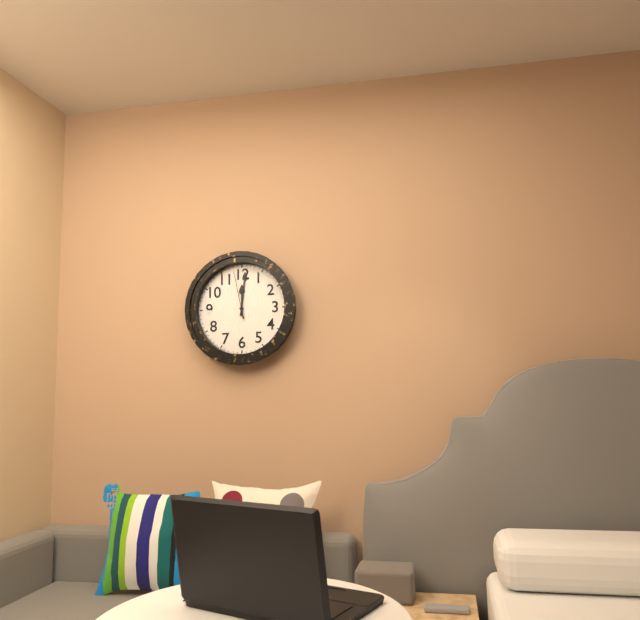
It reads 12,01
